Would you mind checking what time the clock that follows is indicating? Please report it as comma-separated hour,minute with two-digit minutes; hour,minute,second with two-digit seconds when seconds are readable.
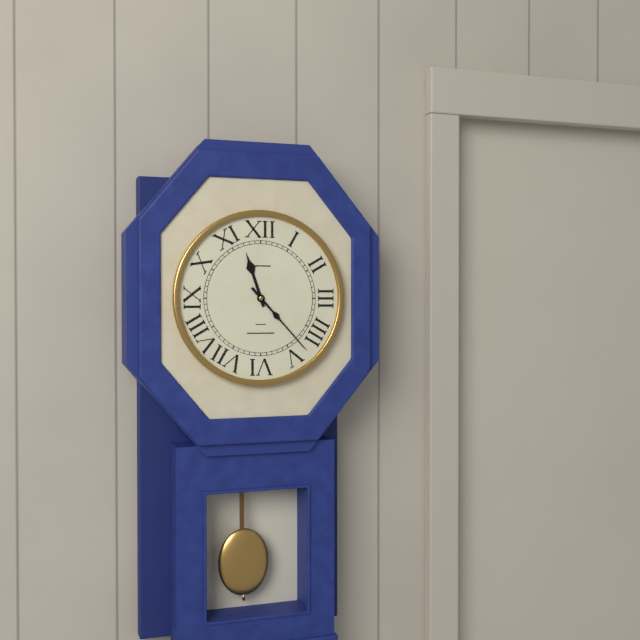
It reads 11,23
